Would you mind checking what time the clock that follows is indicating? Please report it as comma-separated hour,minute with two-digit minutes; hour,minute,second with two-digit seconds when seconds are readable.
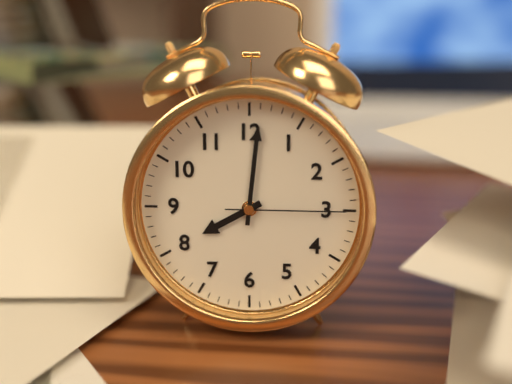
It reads 8,01,15
